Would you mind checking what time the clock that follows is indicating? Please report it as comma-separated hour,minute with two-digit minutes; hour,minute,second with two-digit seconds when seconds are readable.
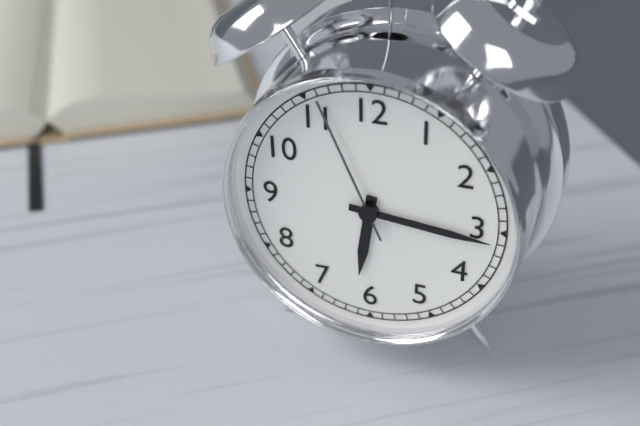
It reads 6,16,56
